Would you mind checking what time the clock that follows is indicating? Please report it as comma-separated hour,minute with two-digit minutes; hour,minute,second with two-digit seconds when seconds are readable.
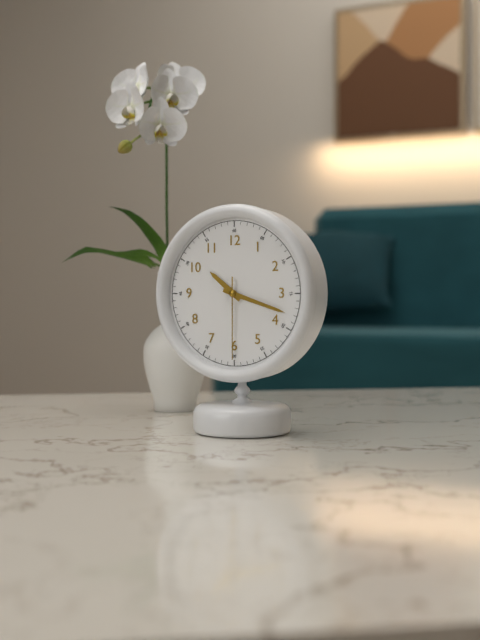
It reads 10,18,30
